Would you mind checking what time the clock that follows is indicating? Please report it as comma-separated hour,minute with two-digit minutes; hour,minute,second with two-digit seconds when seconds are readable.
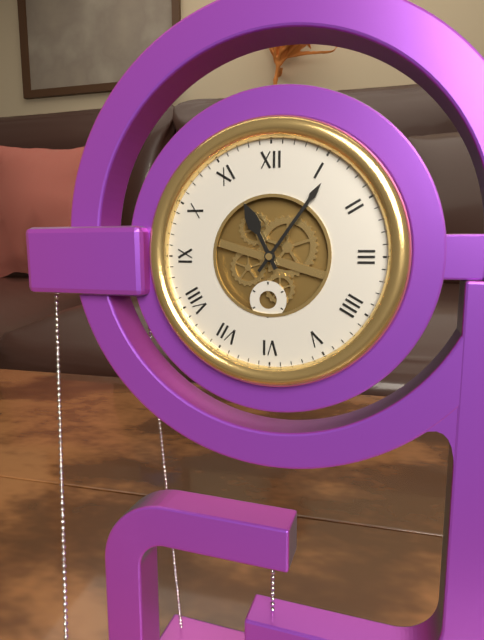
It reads 11,06
